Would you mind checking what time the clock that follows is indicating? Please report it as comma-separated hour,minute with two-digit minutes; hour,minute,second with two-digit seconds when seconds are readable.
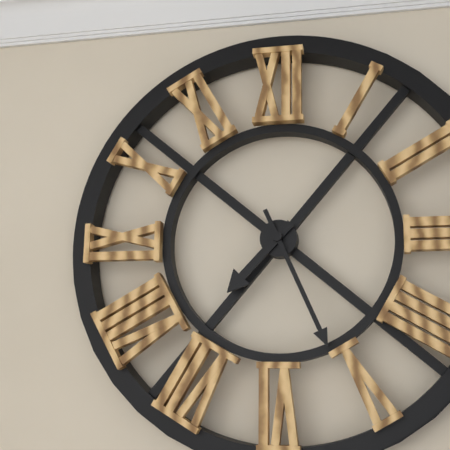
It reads 7,26
